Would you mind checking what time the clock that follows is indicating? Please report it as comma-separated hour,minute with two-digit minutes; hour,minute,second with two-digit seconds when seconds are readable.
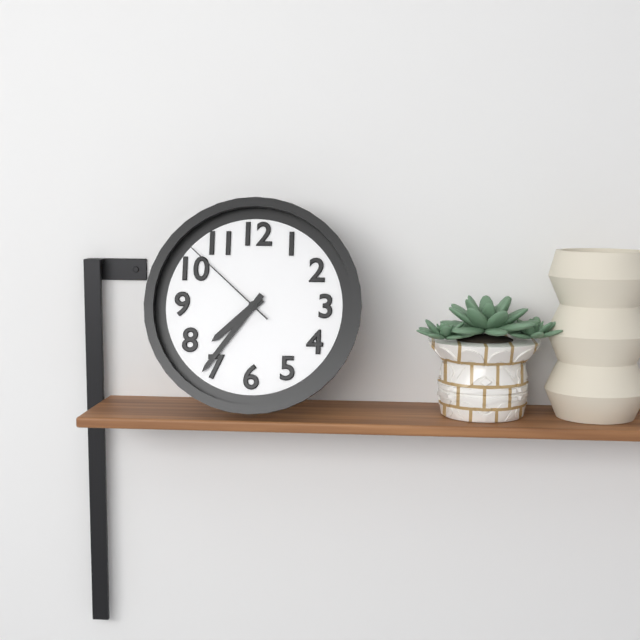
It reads 7,36,52
